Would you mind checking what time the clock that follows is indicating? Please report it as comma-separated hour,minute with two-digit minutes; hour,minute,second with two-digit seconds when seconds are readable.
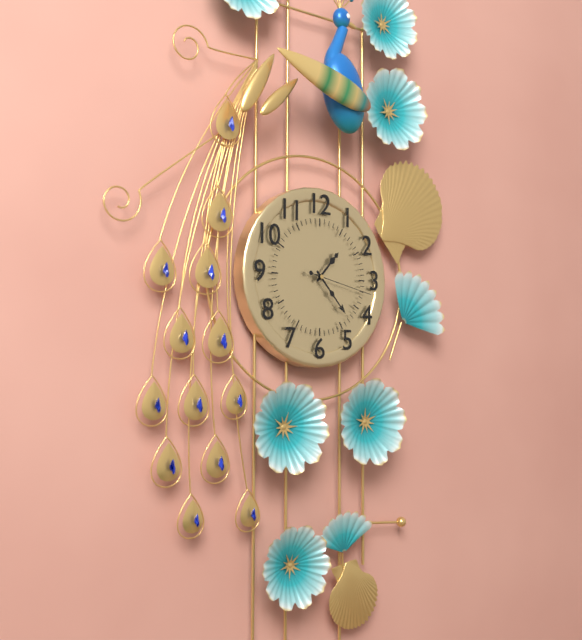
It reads 1,23,17
